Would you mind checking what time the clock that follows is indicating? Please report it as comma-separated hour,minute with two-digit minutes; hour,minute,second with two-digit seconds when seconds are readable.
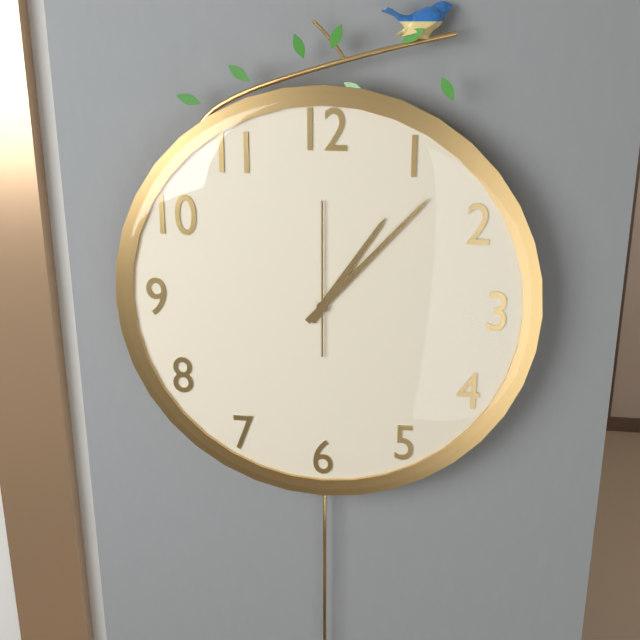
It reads 1,07,00
